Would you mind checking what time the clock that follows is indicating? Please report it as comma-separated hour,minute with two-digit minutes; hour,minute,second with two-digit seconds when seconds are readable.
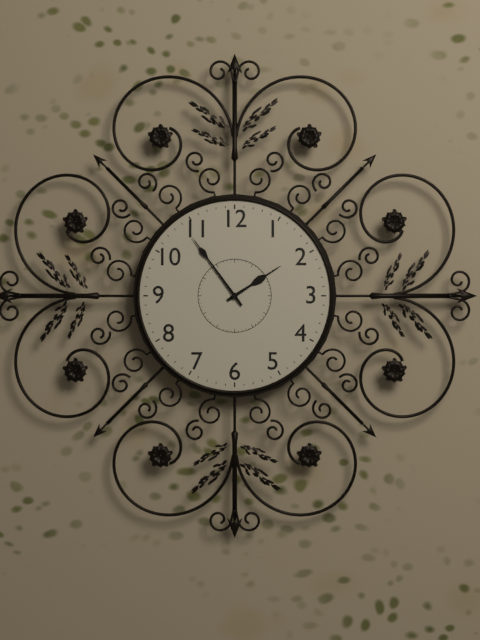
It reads 1,54
